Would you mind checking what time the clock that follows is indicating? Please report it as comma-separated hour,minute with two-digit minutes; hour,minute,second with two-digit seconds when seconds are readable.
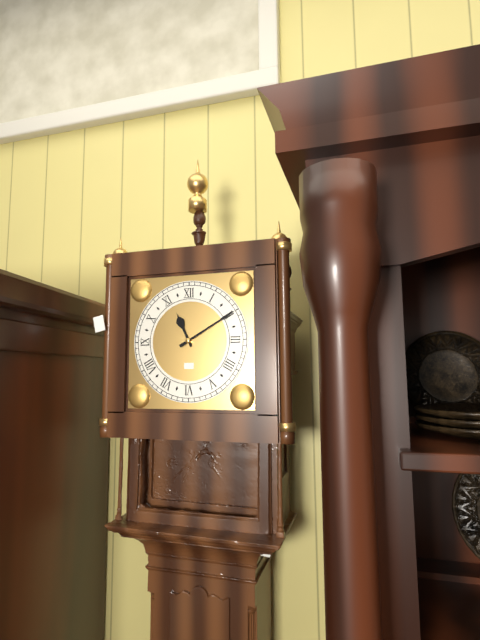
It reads 11,10
